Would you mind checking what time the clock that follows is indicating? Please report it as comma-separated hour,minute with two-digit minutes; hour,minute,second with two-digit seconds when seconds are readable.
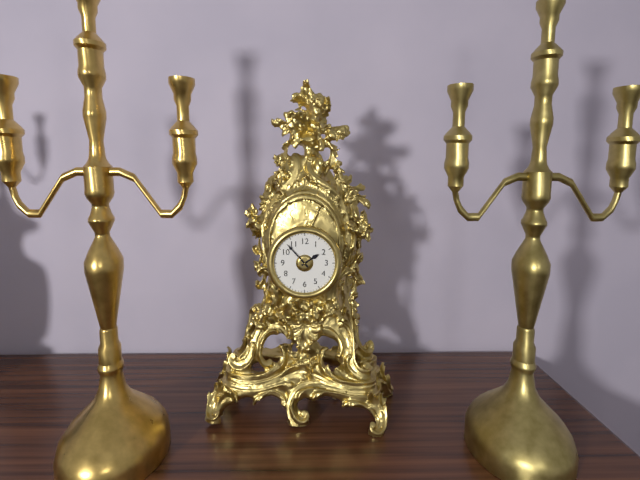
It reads 1,53
